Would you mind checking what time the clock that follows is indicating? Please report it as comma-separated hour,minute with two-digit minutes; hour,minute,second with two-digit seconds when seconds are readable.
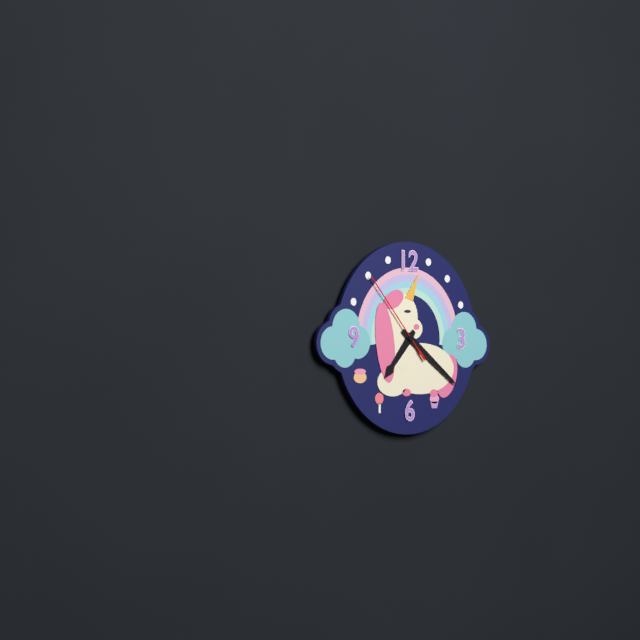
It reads 7,21,53
